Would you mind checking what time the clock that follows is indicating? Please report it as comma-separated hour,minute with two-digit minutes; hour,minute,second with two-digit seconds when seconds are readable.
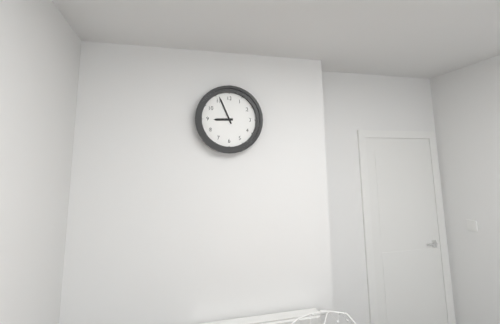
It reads 8,56
